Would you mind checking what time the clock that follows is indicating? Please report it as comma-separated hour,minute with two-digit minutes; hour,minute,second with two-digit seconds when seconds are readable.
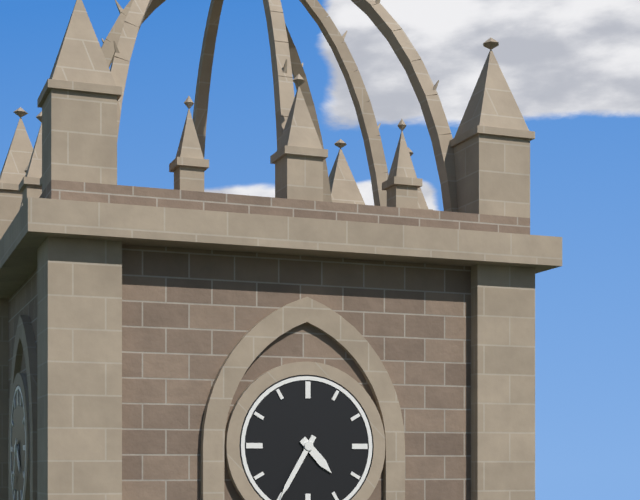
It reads 4,35
